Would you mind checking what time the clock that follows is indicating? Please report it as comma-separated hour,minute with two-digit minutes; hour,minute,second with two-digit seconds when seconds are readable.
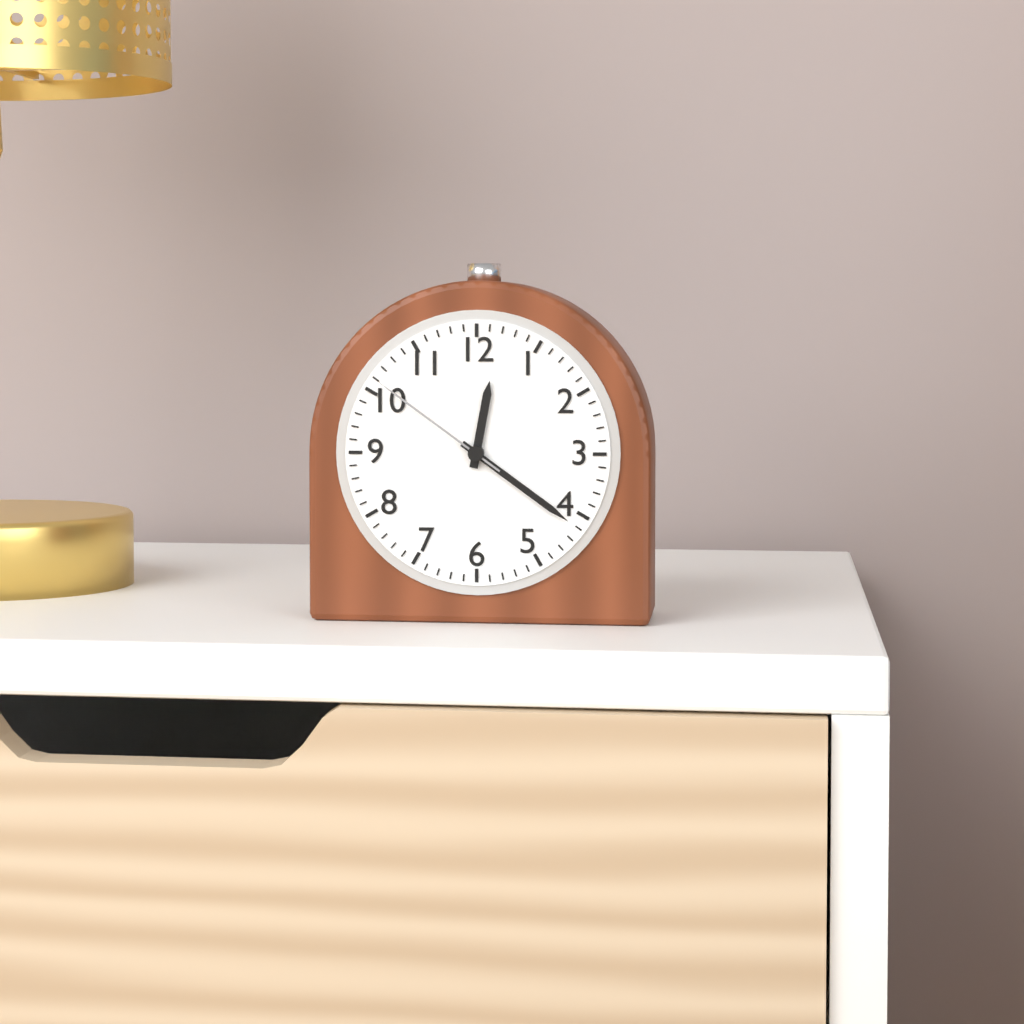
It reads 12,21,51
